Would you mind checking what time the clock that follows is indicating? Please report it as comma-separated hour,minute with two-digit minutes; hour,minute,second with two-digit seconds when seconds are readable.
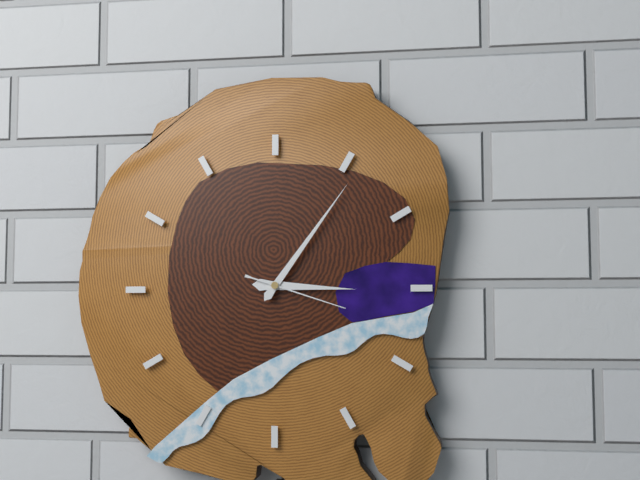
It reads 3,06,18
